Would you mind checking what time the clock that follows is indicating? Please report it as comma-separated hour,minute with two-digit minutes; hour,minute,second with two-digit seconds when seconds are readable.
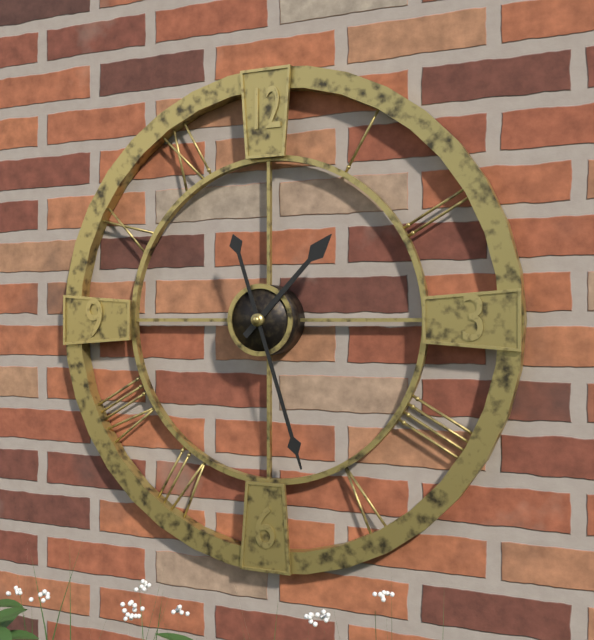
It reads 1,27
